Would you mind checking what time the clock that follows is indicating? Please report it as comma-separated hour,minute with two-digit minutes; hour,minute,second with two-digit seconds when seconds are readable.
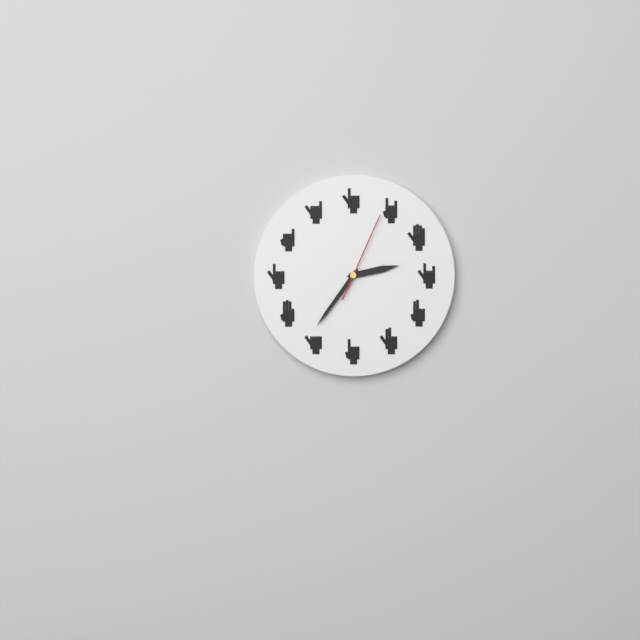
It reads 2,36,04
